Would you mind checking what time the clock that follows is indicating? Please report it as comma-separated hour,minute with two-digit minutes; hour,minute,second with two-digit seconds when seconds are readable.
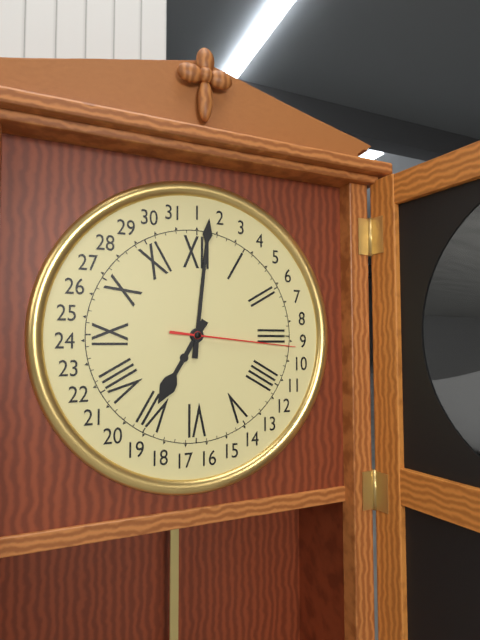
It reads 7,01,16
